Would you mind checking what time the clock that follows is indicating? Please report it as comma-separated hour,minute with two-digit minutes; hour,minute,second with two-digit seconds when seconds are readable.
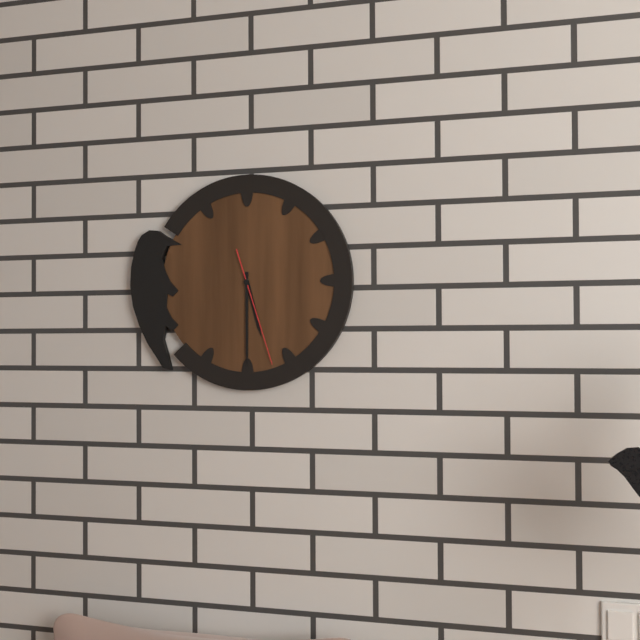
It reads 5,30,27
